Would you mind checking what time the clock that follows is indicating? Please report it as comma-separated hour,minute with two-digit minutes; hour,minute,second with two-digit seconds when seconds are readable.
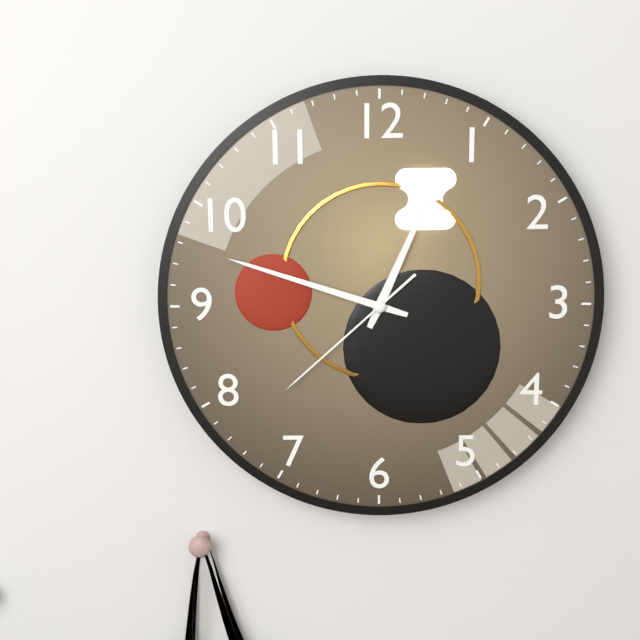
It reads 12,48,38
